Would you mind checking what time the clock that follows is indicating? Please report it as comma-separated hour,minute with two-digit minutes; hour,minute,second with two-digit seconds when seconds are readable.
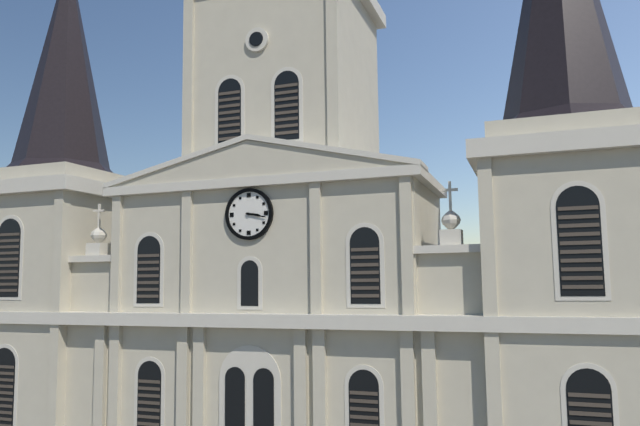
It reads 3,17
